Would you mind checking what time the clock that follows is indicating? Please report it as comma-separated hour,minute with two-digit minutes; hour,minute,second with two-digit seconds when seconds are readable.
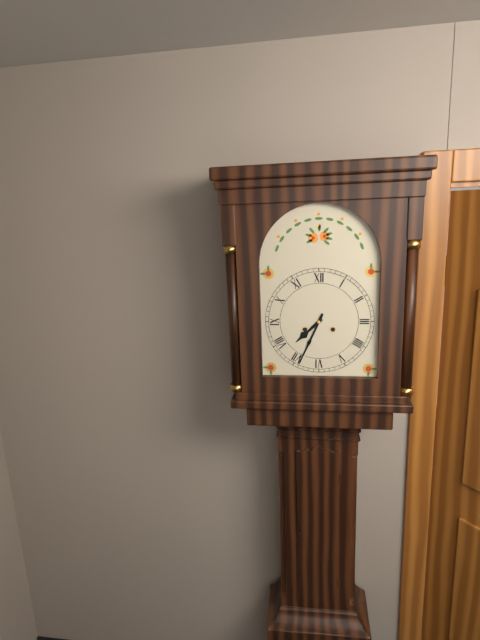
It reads 7,34
